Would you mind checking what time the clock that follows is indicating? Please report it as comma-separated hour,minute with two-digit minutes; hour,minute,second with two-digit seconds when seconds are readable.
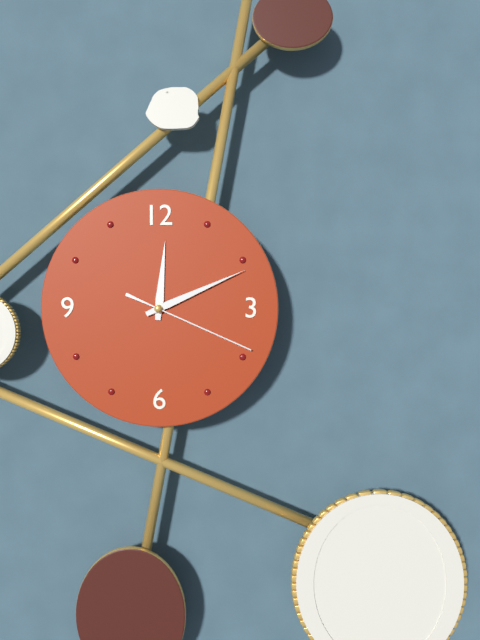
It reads 12,11,19
